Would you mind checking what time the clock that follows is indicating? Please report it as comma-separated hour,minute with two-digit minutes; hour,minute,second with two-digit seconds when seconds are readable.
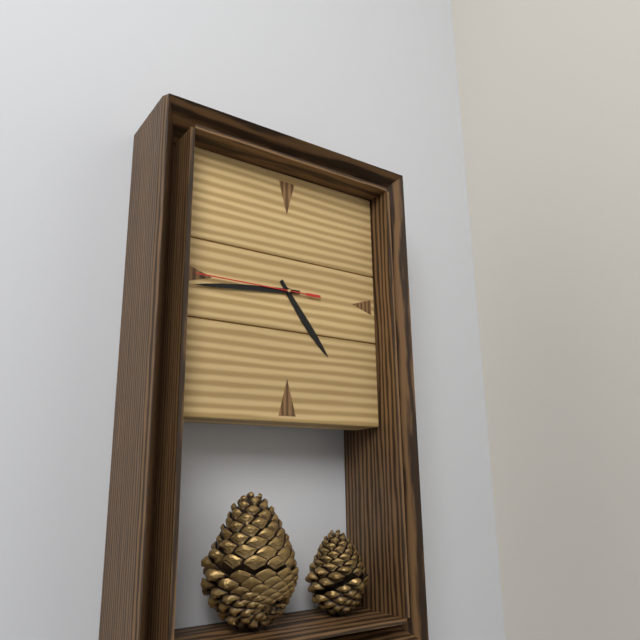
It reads 4,44,45
